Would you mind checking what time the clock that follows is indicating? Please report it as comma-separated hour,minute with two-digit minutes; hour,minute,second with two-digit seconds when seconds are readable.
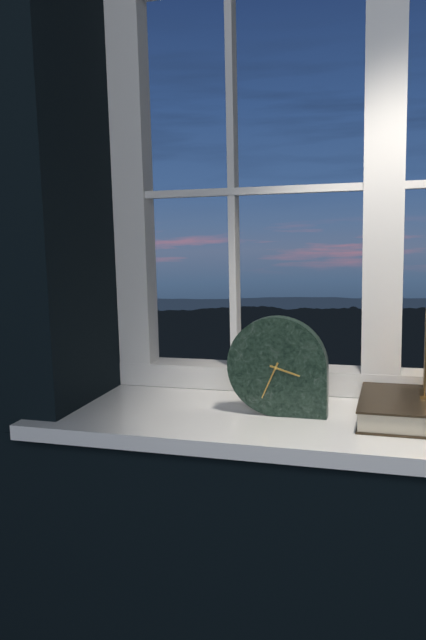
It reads 3,34
